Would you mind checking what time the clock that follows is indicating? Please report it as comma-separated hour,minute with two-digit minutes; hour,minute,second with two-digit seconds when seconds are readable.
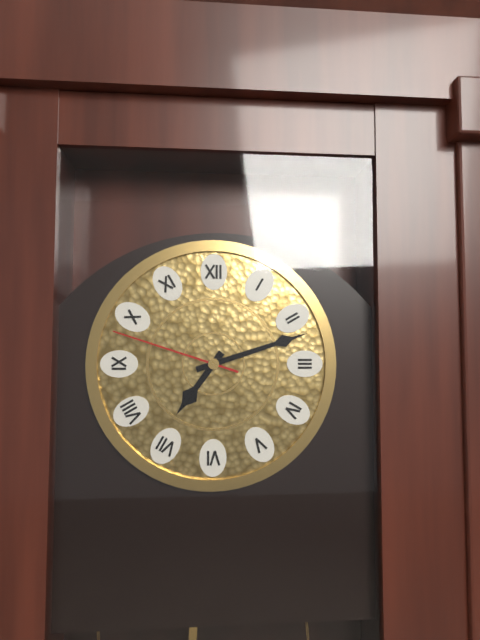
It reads 7,12,48
